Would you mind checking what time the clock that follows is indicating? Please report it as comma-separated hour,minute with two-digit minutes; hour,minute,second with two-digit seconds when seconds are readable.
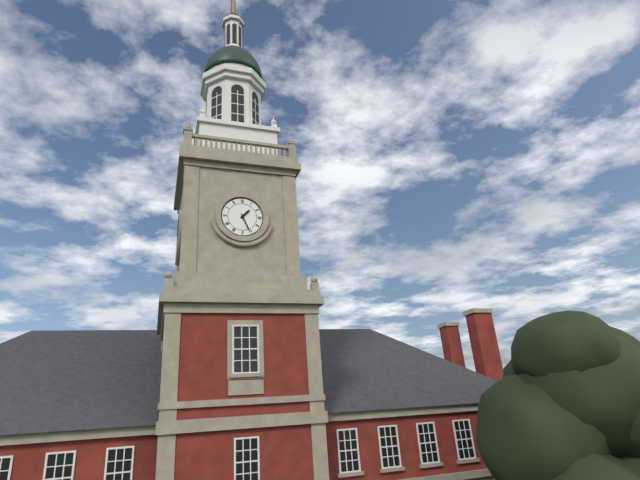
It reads 1,26
